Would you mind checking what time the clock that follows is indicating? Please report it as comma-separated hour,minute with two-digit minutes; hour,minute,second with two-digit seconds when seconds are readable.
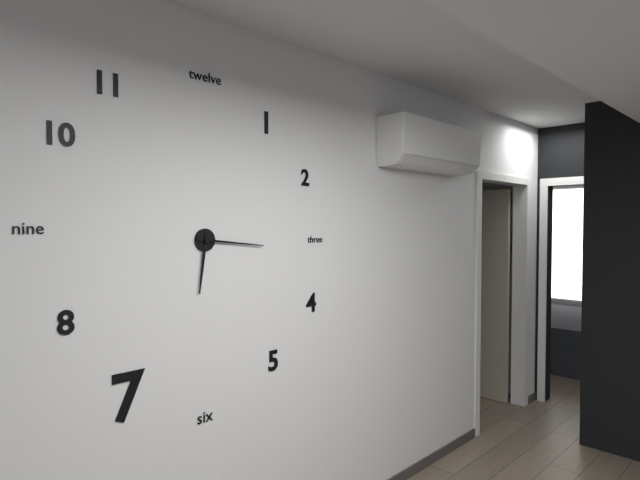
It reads 6,16
